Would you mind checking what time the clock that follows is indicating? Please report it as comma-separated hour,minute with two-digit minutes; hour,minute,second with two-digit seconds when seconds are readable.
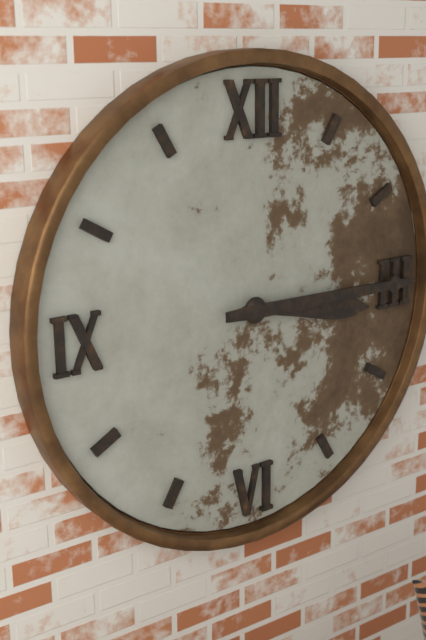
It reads 3,15
